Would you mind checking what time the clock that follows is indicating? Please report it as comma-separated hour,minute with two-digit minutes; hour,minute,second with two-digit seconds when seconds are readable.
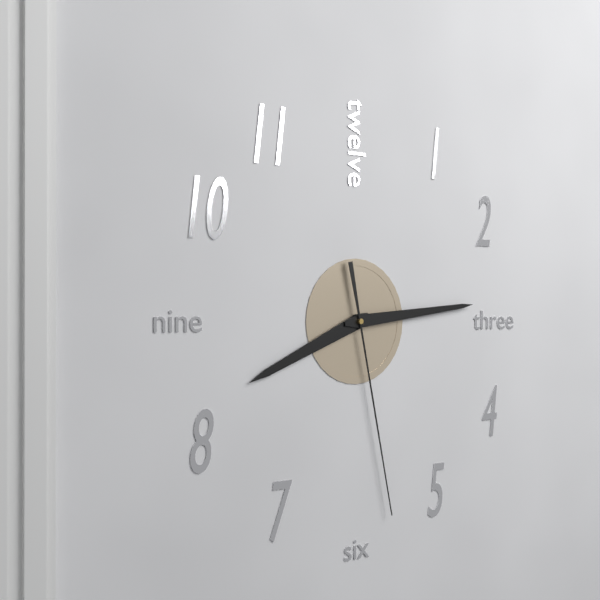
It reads 8,14,28
